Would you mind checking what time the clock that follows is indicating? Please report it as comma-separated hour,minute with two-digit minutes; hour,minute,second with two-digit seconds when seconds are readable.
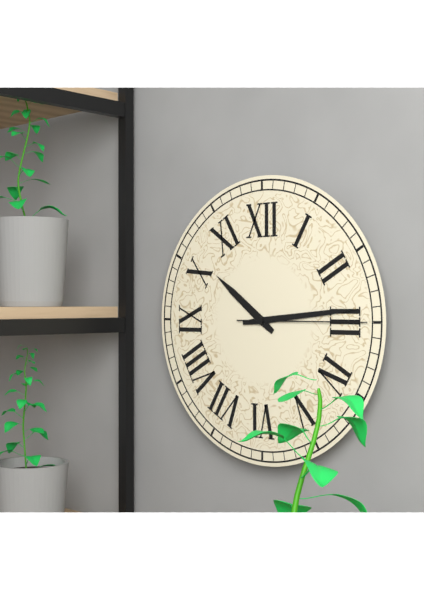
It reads 10,14,15
